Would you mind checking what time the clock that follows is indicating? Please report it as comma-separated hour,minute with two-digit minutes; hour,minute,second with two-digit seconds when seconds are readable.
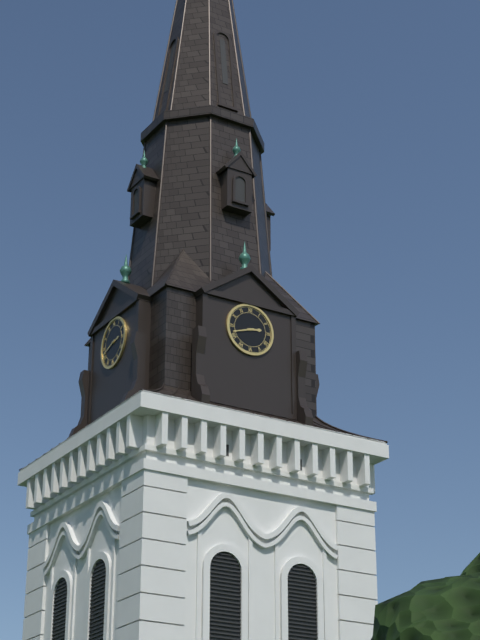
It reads 2,42
